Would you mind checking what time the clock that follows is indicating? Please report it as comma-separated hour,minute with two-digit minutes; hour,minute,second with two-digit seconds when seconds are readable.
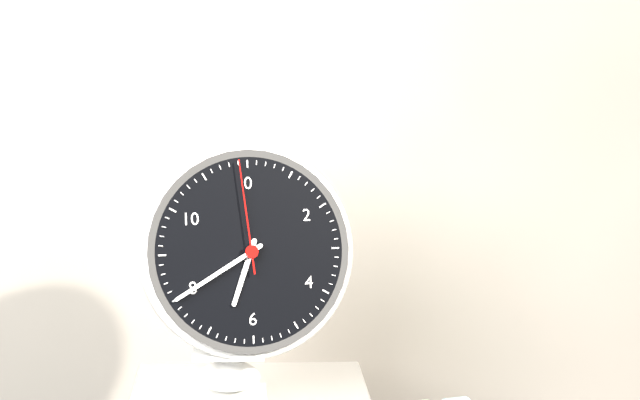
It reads 6,40,59
